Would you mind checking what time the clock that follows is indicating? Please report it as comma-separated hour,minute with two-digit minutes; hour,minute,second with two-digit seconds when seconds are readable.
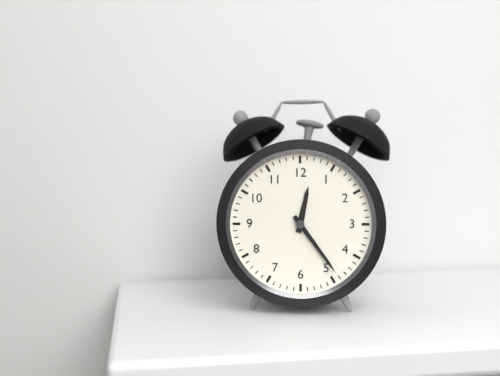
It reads 12,24
